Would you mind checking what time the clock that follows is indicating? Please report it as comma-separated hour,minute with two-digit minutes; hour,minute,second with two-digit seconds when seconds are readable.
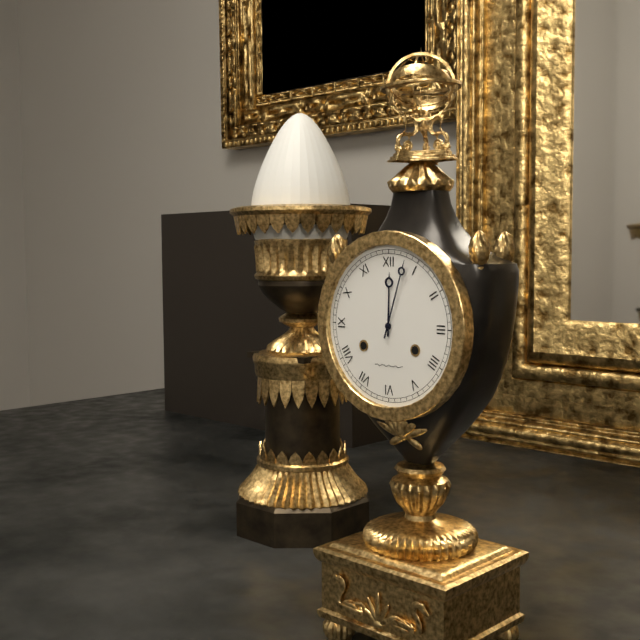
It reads 12,03
